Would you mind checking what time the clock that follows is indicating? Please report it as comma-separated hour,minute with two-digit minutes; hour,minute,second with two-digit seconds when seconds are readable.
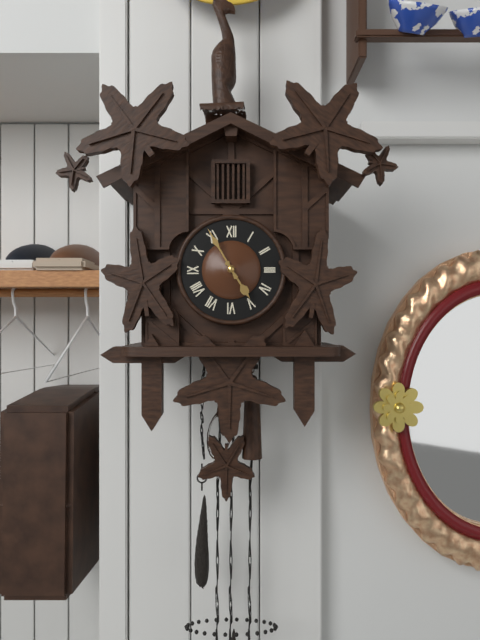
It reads 4,55
